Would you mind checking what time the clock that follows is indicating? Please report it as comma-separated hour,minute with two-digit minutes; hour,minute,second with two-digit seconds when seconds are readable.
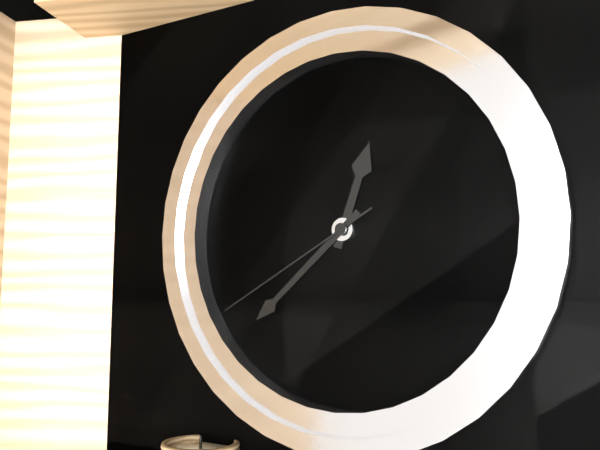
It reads 12,38,40
